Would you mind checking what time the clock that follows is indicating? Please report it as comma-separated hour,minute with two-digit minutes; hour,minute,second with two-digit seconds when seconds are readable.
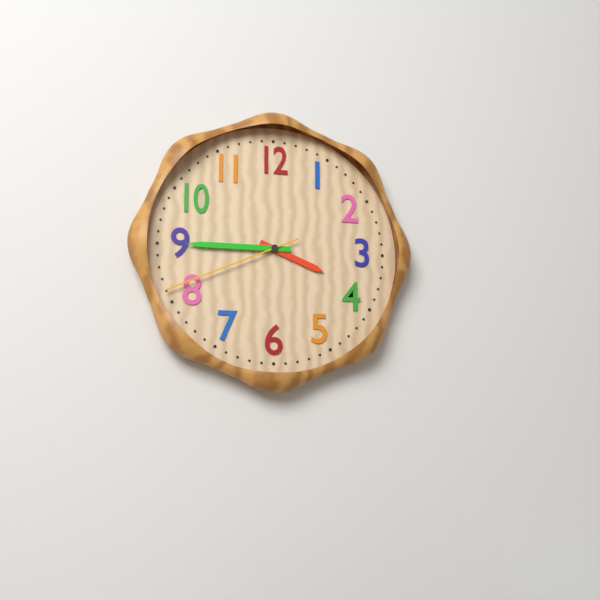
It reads 3,45,41
